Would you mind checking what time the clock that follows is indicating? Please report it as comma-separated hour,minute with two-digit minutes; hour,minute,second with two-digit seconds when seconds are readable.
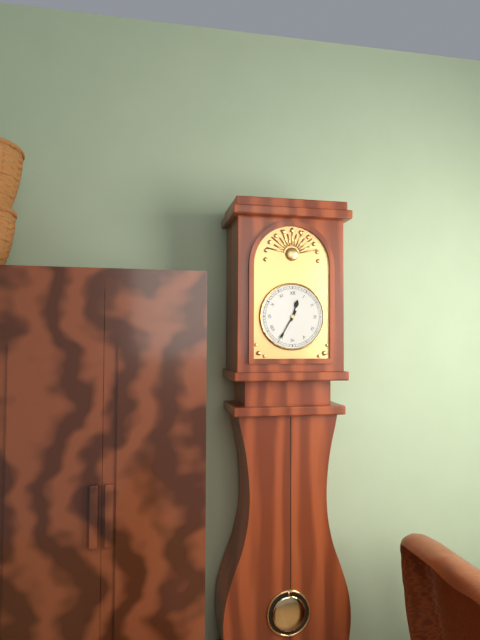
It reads 12,35
